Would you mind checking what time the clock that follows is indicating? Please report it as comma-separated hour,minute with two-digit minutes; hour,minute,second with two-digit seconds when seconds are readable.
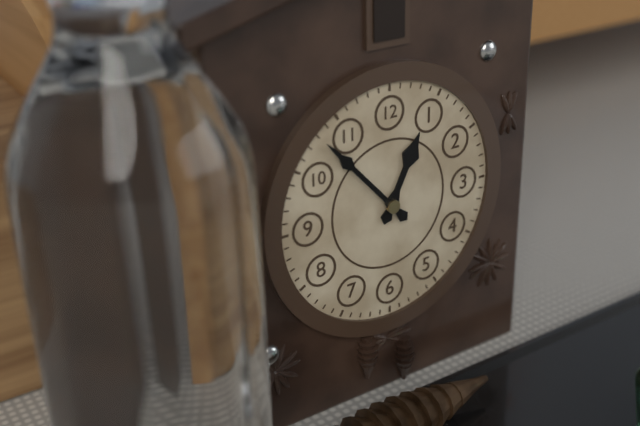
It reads 12,53
